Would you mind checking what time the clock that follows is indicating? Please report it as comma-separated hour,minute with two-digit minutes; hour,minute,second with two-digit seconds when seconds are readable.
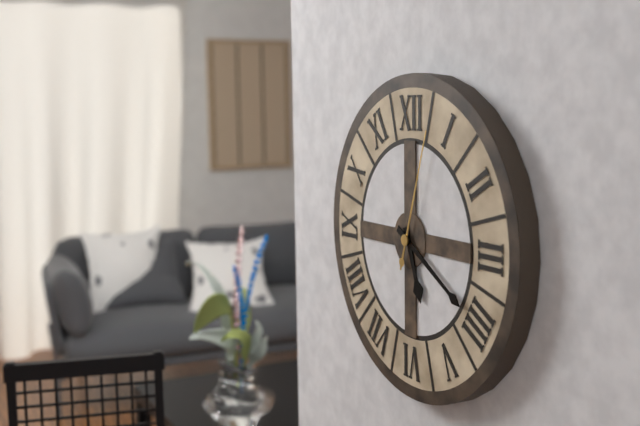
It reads 5,20,03
